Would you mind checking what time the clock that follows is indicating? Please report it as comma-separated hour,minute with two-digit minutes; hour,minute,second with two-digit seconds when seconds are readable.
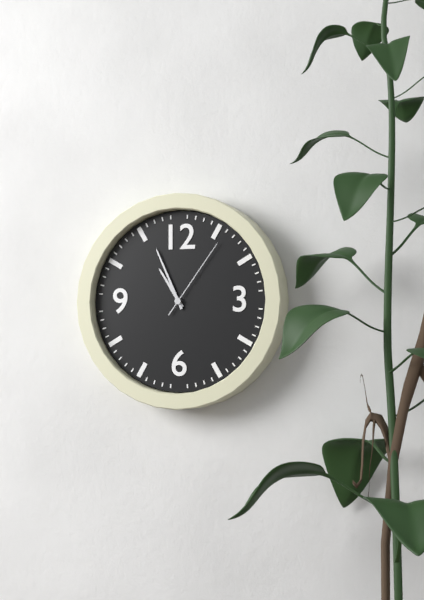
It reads 10,56,06
